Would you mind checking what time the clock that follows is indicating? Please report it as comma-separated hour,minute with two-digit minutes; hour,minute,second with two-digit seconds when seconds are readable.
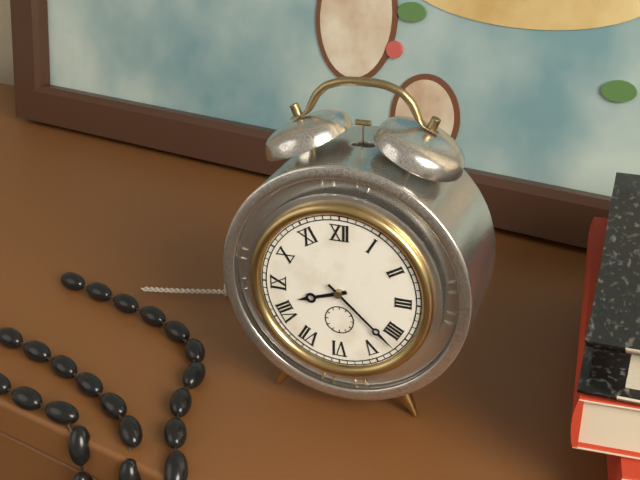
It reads 8,22
